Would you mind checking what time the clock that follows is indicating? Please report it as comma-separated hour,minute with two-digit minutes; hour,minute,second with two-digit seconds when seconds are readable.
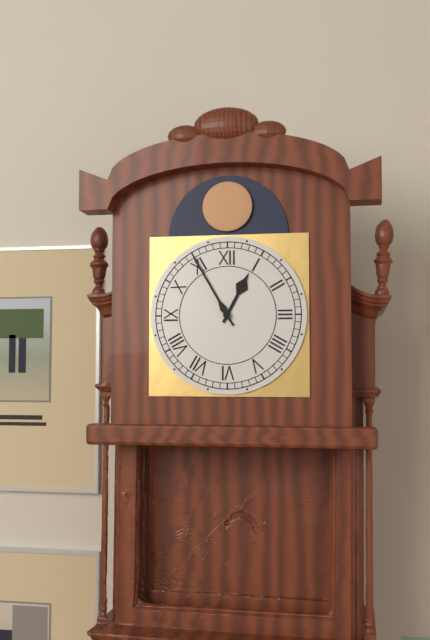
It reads 12,55
